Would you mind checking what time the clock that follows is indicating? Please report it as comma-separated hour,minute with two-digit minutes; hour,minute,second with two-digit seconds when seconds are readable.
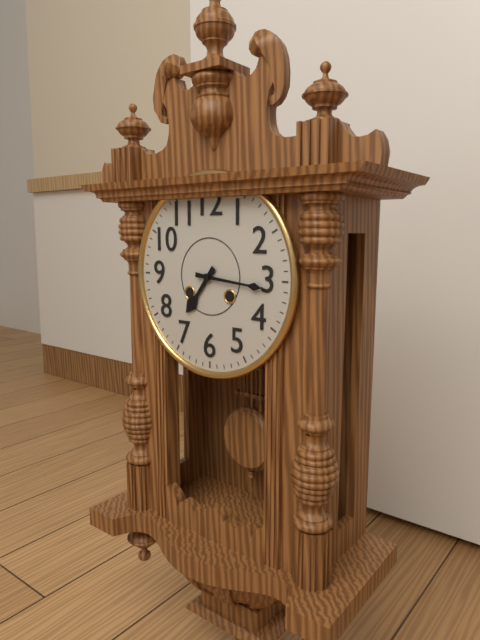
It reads 7,16
